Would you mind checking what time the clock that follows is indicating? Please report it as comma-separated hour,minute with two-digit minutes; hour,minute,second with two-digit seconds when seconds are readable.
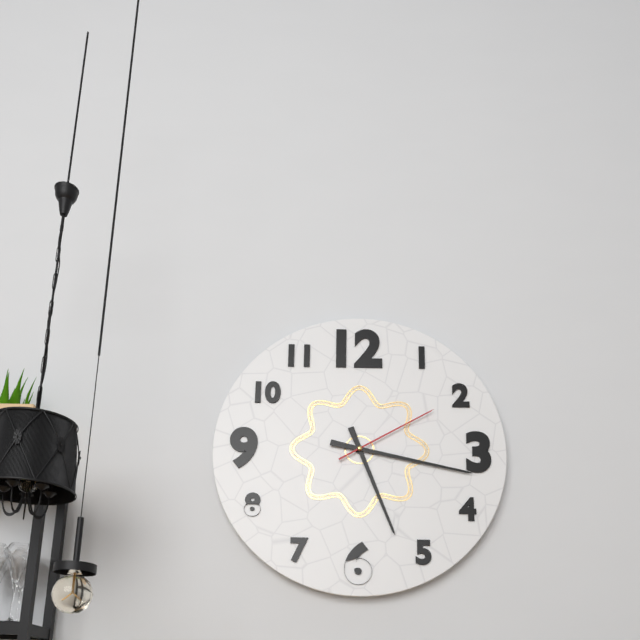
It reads 5,17,10
